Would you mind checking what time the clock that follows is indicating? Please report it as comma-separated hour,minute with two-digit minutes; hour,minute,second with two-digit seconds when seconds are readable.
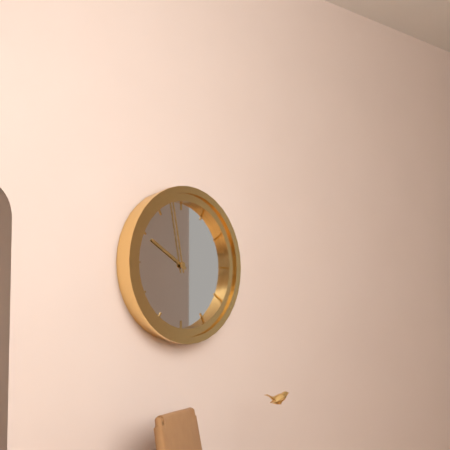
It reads 9,58
